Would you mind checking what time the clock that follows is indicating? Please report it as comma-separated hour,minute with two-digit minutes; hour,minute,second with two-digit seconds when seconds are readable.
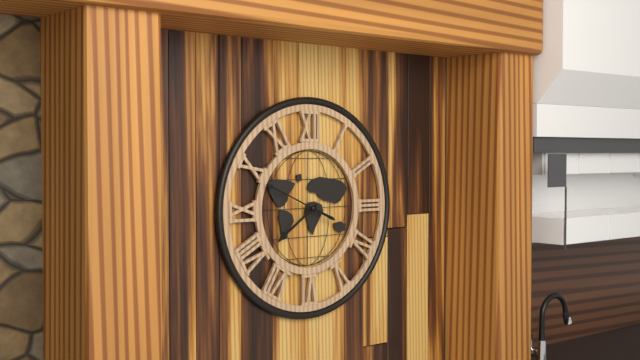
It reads 7,49
